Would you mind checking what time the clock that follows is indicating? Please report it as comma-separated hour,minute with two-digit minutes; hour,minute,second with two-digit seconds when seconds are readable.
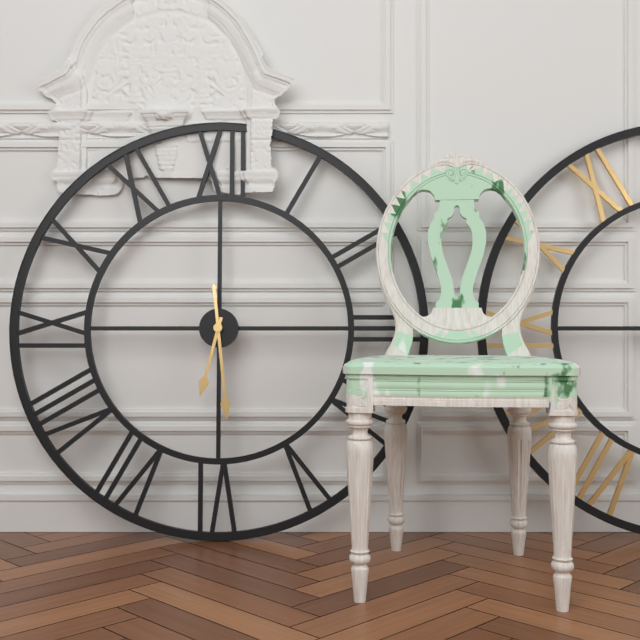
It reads 6,29
